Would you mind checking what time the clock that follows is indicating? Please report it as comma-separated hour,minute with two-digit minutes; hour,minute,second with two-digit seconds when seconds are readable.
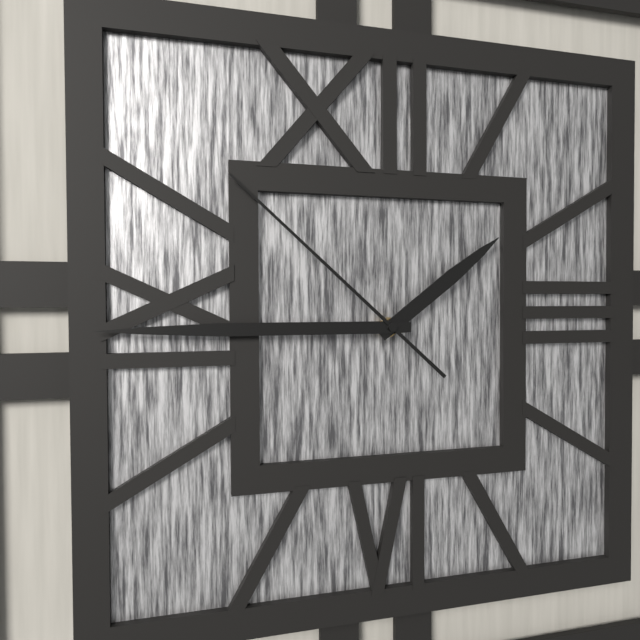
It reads 1,45,52
